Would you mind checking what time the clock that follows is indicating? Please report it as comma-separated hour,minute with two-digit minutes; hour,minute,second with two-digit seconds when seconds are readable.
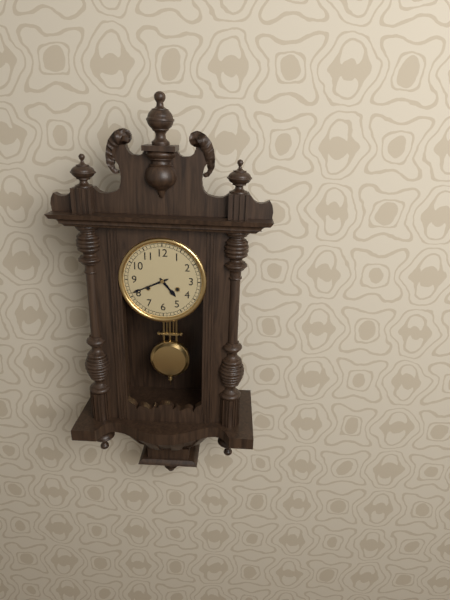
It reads 4,41
